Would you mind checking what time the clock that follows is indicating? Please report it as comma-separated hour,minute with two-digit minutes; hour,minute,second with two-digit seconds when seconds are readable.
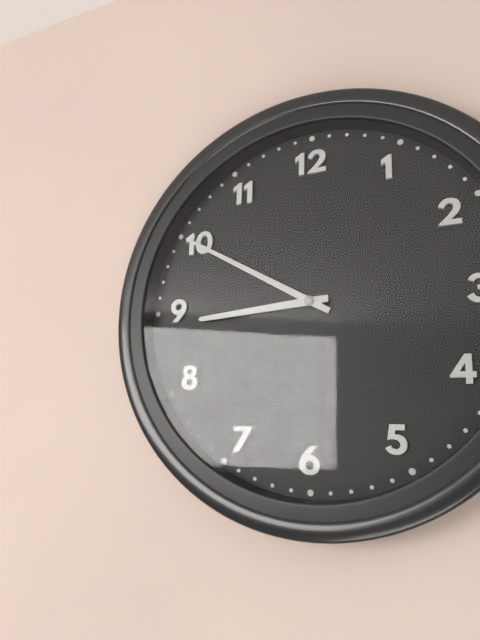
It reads 8,50
